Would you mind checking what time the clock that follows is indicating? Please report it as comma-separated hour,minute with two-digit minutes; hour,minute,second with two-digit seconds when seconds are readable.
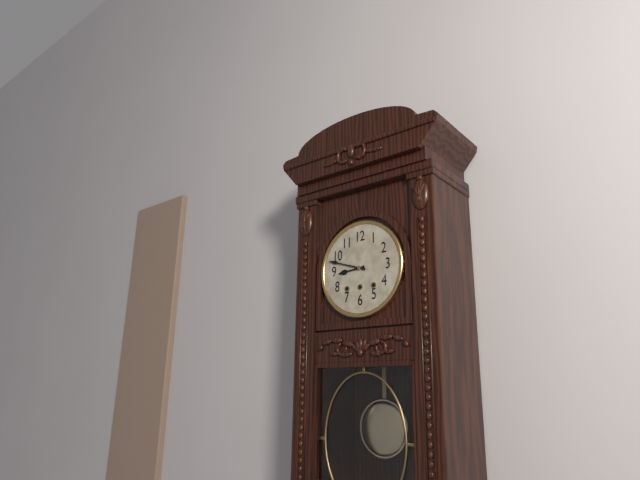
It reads 8,48
